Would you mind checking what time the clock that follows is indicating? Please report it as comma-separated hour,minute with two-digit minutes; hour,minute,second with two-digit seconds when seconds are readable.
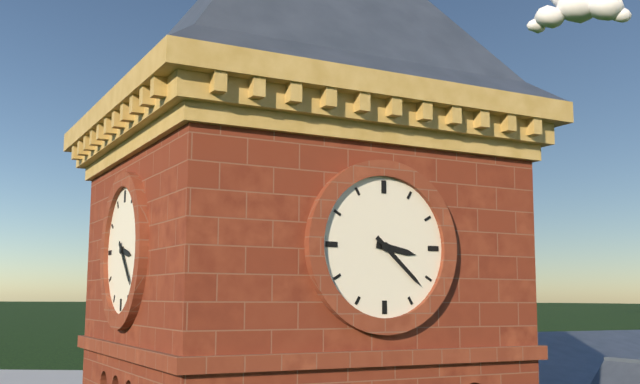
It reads 3,22
